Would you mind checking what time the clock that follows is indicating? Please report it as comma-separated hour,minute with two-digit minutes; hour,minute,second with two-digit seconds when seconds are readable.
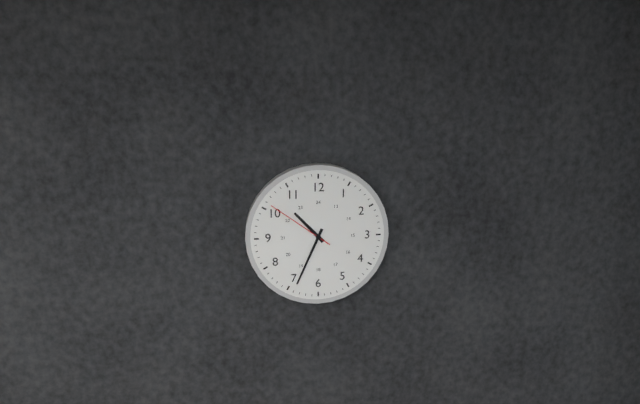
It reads 10,34,51
